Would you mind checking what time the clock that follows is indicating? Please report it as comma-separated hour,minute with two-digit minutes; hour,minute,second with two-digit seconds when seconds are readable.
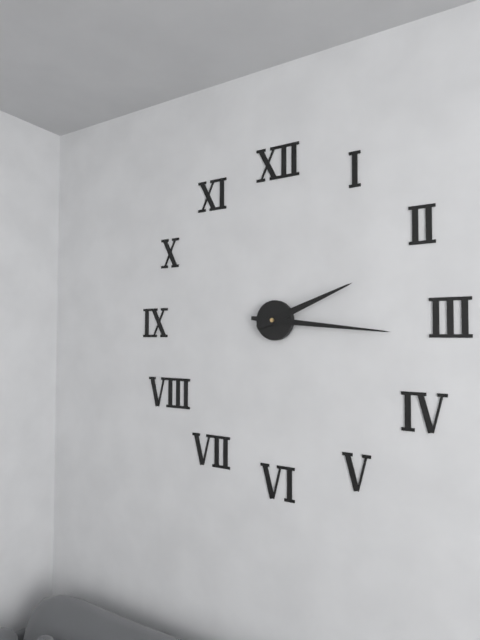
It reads 2,16
